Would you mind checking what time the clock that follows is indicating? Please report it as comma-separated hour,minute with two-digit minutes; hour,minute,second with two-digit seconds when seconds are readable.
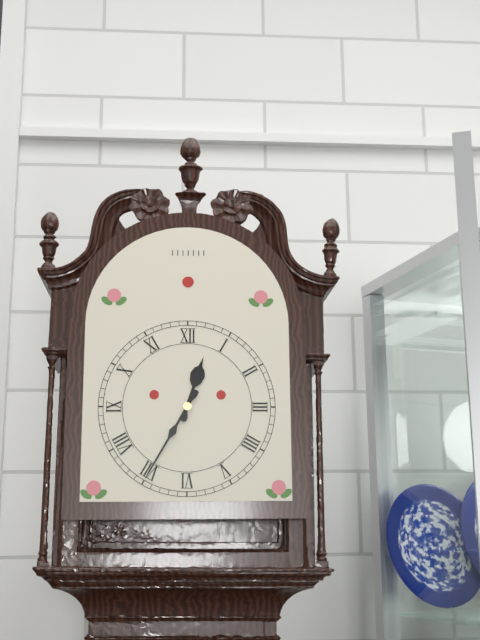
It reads 12,35
